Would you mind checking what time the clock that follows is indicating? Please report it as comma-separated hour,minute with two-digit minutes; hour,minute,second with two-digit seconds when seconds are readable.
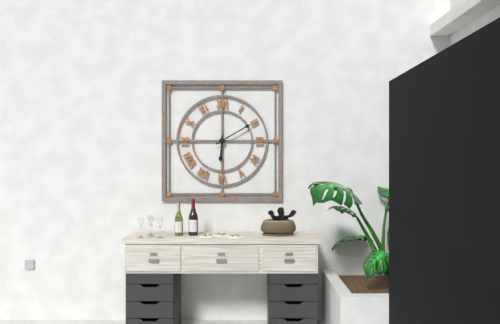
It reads 6,10
